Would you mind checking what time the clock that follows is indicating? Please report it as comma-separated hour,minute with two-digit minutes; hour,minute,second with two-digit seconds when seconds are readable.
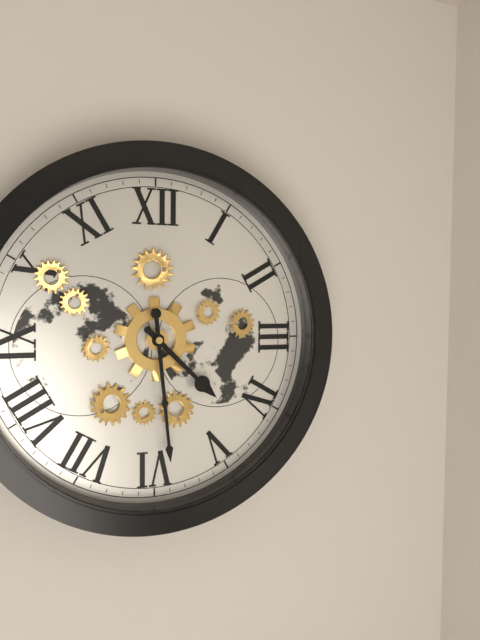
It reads 4,29
